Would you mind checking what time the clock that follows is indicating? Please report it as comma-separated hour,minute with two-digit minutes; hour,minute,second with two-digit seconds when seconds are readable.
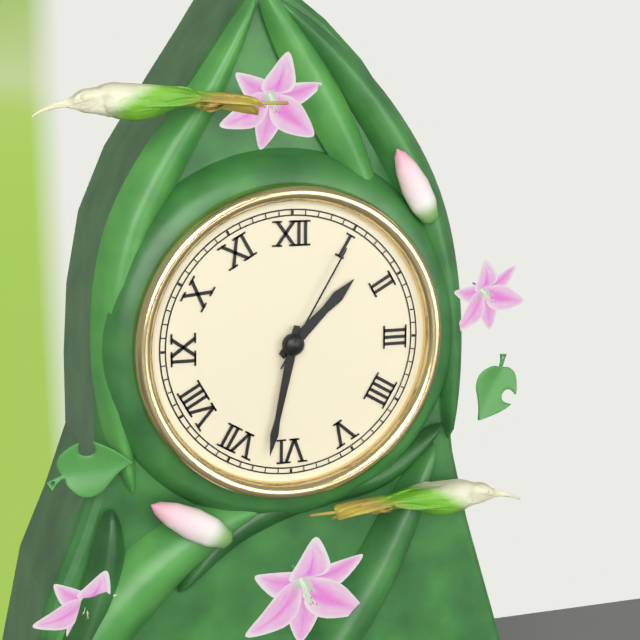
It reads 1,32,05
